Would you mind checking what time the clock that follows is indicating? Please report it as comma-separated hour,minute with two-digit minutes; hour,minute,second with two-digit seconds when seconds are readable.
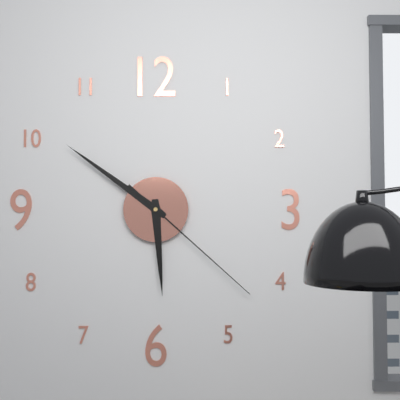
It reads 5,51,22
